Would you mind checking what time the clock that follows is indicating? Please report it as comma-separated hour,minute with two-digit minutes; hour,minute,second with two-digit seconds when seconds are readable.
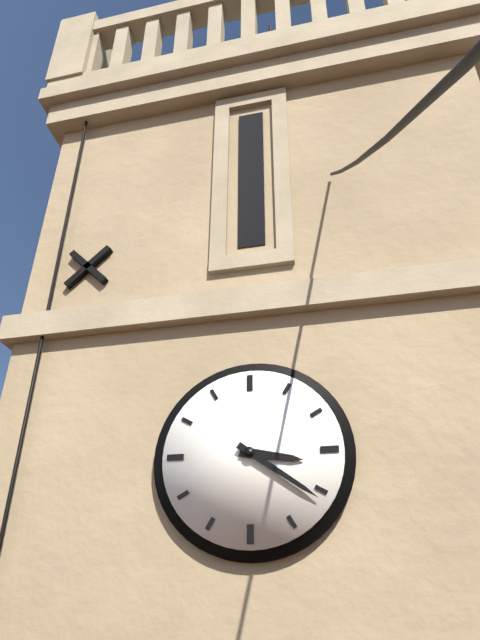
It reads 3,21
